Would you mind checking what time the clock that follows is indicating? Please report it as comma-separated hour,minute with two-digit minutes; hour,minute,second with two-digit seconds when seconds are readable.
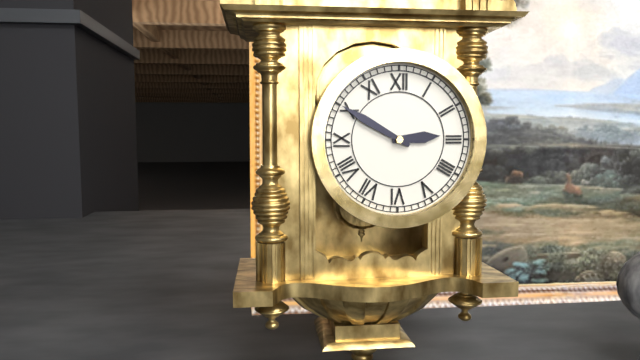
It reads 2,50
